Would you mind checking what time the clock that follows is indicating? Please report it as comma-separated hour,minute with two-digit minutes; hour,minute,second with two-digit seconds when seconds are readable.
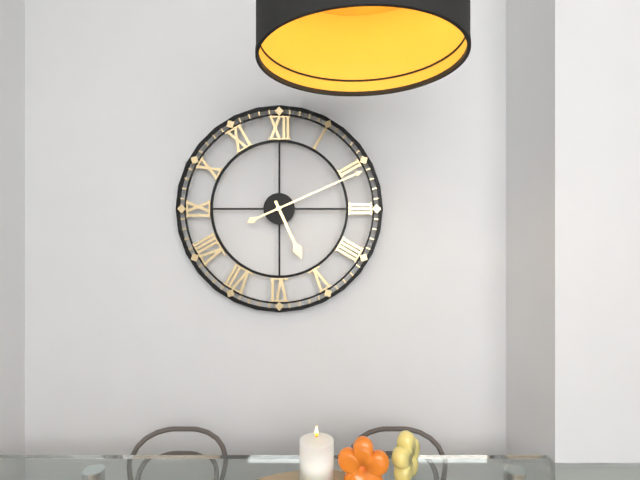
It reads 5,11
